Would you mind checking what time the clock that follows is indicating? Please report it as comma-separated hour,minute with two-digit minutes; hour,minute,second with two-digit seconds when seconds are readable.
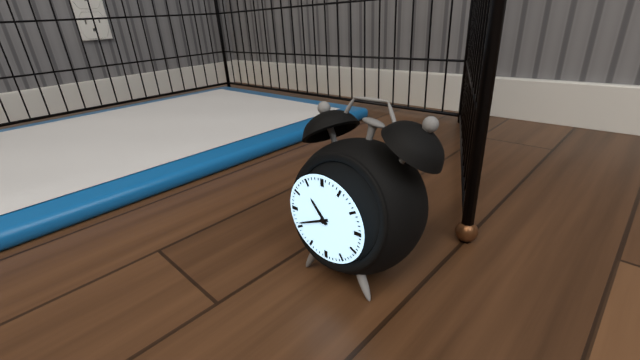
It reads 10,41
